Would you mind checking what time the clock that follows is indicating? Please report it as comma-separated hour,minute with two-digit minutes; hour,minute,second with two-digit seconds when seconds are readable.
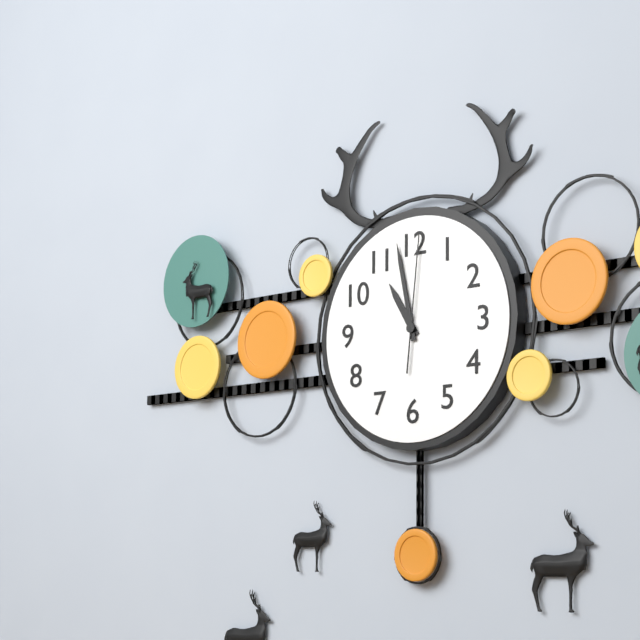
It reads 10,58,01
